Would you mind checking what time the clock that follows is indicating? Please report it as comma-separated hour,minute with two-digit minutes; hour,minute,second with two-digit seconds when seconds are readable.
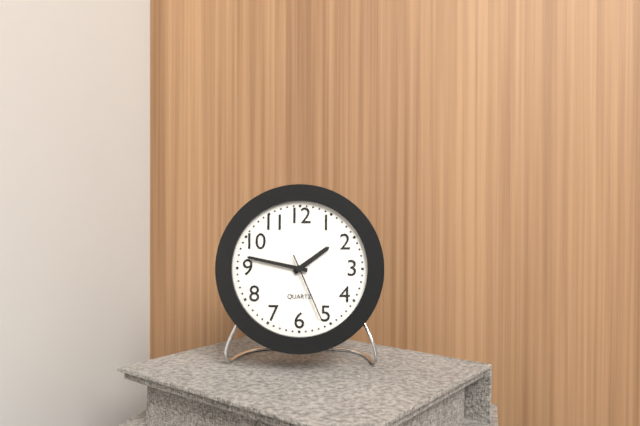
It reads 1,47,26
